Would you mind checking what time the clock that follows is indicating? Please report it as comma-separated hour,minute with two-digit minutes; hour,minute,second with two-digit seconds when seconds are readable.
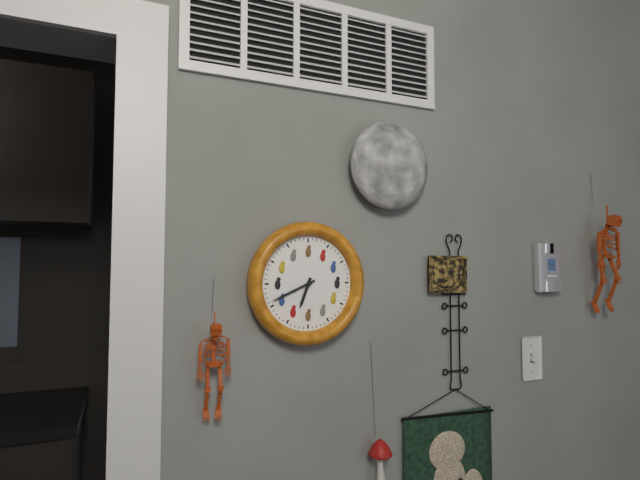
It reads 6,41
